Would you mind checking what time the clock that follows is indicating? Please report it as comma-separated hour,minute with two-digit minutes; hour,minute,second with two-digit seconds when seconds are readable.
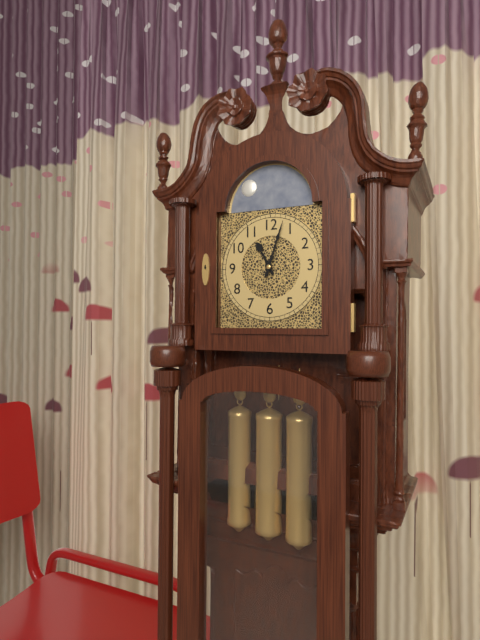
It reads 11,03
